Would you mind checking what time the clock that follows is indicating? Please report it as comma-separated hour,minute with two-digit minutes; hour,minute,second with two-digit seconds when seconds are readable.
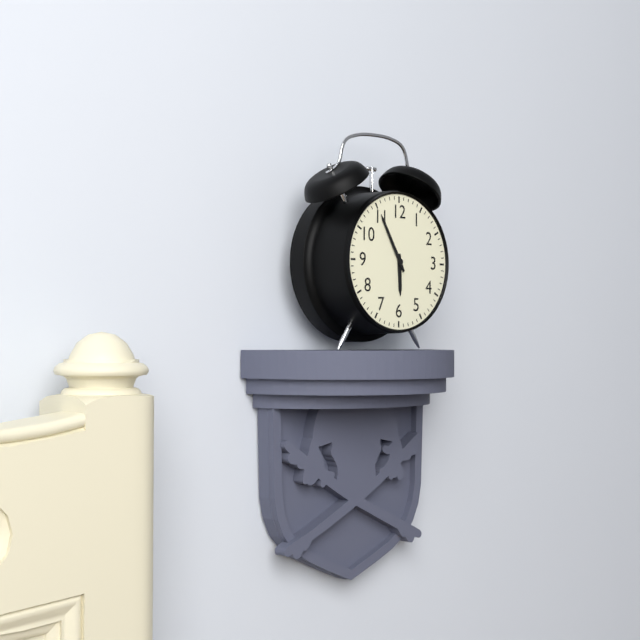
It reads 5,55
